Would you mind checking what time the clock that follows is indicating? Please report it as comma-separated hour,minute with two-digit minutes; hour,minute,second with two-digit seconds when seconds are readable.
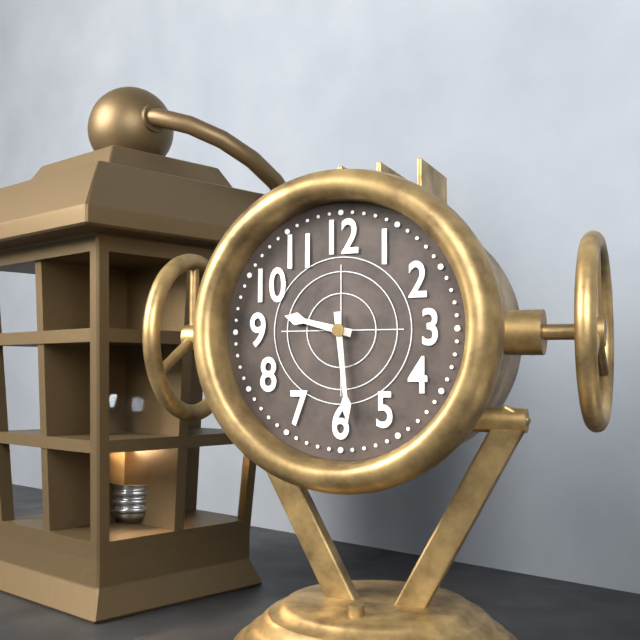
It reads 9,29
